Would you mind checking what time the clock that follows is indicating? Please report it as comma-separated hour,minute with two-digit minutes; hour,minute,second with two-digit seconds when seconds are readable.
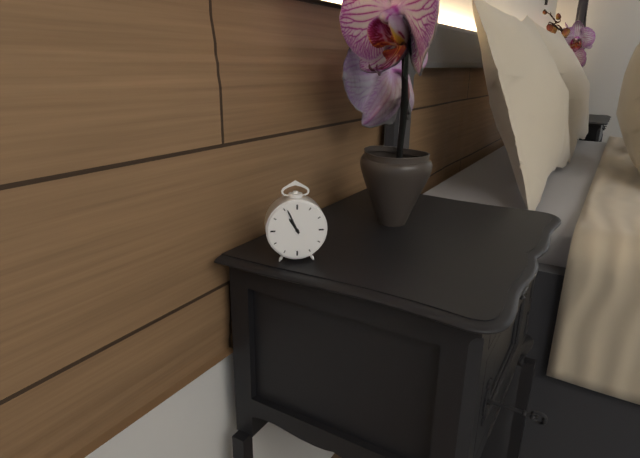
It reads 10,56
